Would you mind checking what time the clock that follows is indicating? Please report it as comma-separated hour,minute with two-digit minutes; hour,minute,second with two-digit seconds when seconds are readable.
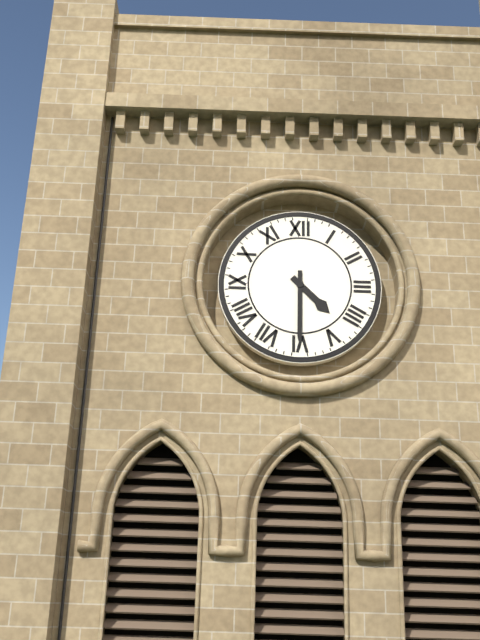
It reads 4,30
